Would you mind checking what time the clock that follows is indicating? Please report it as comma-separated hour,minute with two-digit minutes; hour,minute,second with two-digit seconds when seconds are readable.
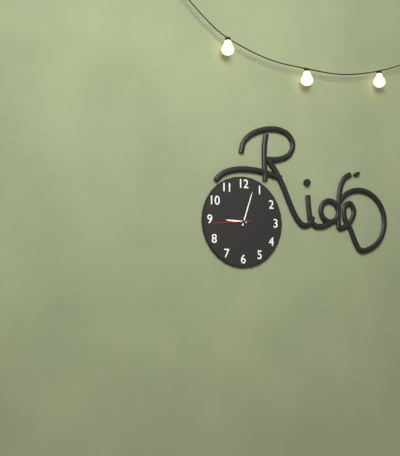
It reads 9,03
